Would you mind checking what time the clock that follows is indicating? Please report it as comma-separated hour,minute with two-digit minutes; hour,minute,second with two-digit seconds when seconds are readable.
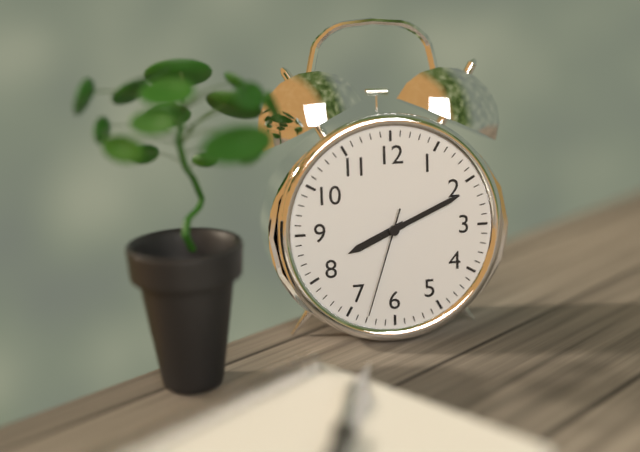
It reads 8,11,33
